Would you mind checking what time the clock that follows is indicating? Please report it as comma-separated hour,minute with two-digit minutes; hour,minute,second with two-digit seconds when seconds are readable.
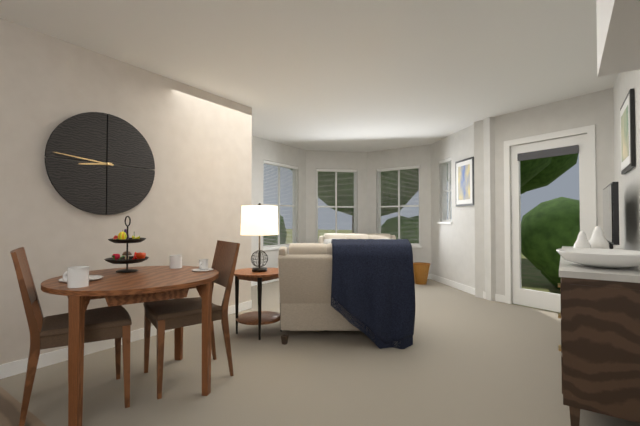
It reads 8,46
